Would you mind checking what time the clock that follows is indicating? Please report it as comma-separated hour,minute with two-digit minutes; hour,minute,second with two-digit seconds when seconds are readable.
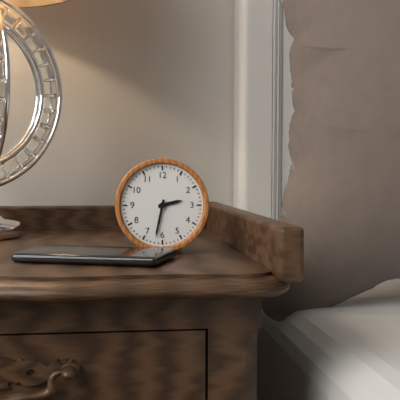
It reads 2,32
